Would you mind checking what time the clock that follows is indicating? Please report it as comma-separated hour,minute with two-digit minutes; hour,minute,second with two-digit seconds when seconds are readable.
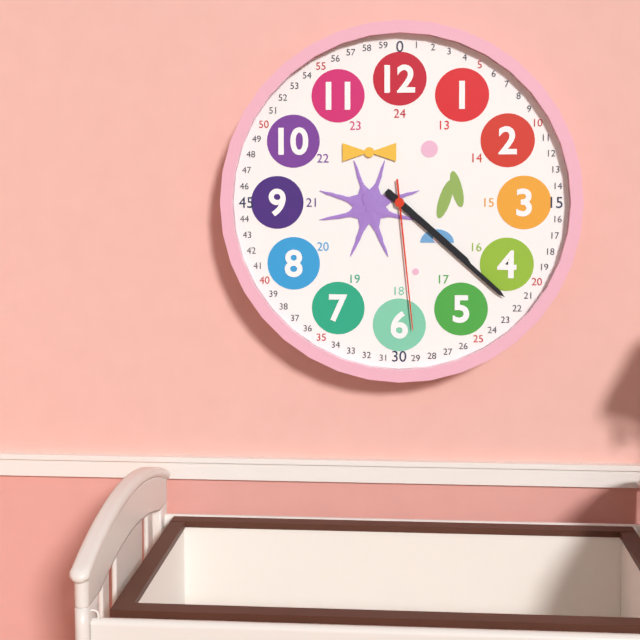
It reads 4,22,29
